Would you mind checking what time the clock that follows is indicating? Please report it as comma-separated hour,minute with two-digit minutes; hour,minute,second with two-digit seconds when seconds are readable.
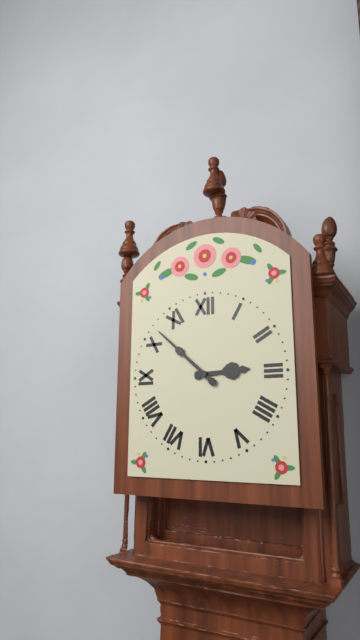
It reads 2,52
